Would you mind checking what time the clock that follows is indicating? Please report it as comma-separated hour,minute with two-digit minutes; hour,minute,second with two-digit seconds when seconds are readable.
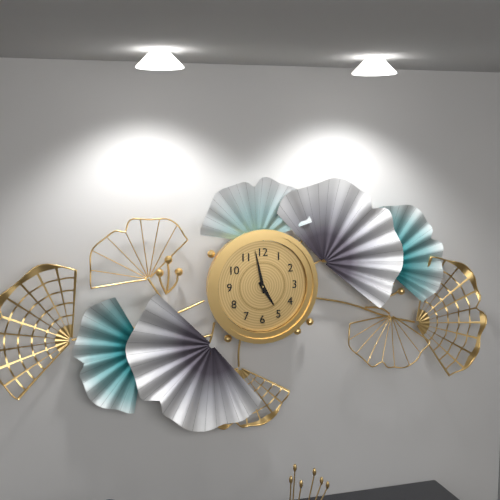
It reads 4,58
